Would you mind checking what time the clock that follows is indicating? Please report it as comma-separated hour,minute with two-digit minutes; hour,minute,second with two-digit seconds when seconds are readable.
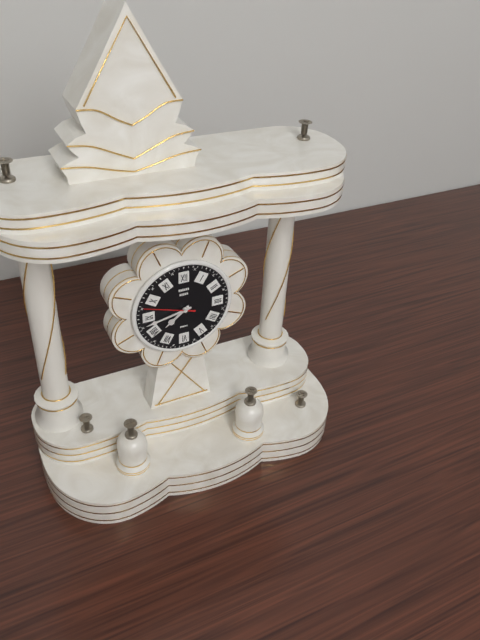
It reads 7,43,48
